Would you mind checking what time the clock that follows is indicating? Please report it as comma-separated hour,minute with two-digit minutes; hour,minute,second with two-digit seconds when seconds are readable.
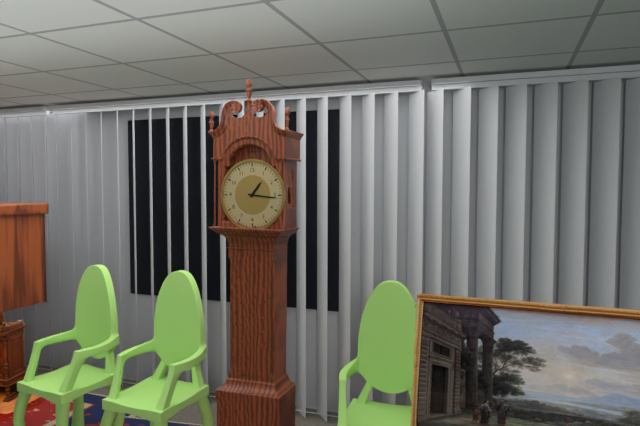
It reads 1,16
